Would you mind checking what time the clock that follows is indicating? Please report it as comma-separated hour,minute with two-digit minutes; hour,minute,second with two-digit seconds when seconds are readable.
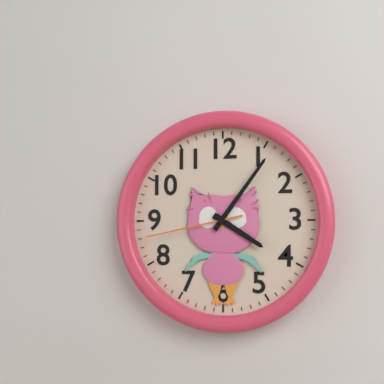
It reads 4,06,43
